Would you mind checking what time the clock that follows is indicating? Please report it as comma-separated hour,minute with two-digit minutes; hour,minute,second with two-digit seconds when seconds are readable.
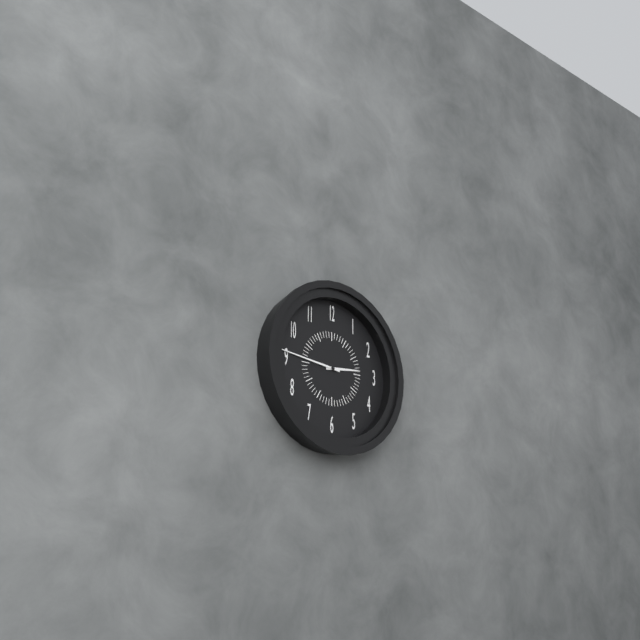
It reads 2,46
